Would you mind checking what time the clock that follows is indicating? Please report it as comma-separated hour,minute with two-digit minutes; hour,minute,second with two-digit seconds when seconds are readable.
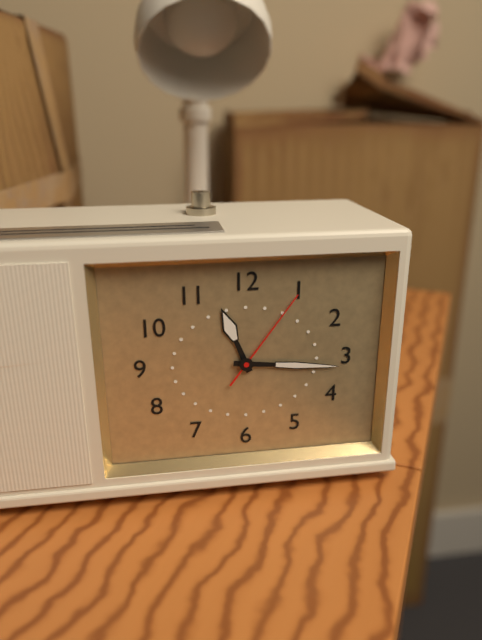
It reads 11,16,06
